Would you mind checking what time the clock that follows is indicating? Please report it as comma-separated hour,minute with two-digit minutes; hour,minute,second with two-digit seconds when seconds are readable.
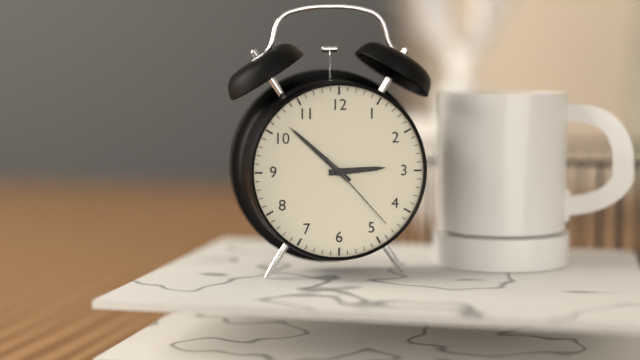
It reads 2,52,23
